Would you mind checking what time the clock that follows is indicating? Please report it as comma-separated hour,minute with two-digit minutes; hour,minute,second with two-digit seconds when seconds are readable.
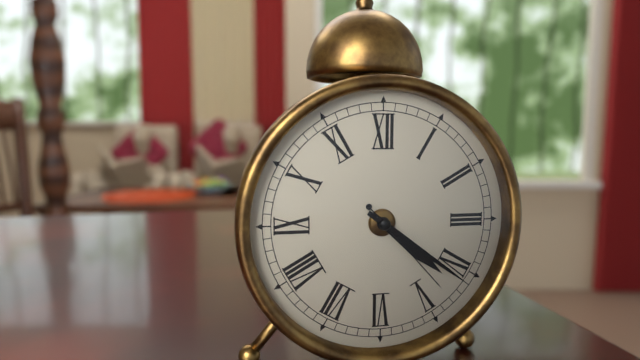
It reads 4,21,23
